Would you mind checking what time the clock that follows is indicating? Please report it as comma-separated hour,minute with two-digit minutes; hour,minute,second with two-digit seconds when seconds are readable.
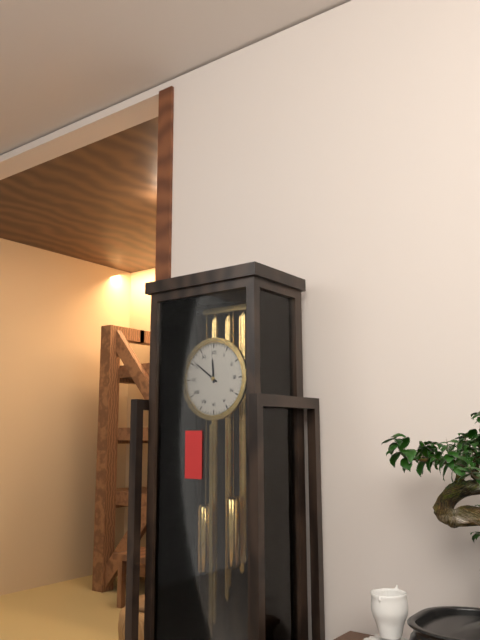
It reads 11,51
